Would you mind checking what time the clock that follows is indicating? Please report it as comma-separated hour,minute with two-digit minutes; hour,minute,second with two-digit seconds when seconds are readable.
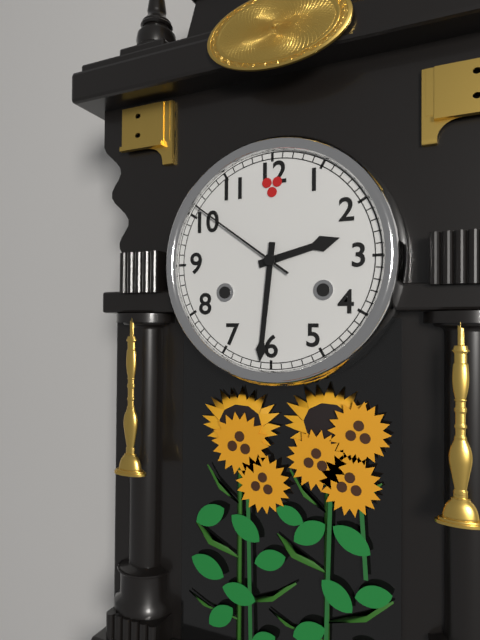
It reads 2,31,51
